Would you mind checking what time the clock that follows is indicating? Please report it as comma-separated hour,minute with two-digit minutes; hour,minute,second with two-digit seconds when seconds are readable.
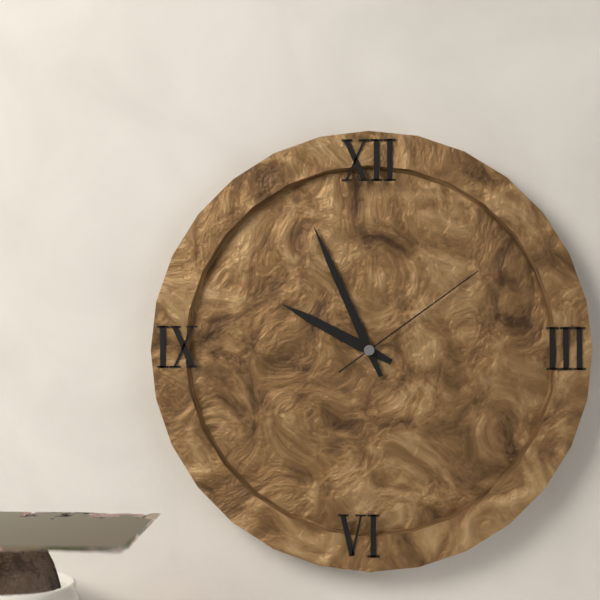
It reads 9,56,09
